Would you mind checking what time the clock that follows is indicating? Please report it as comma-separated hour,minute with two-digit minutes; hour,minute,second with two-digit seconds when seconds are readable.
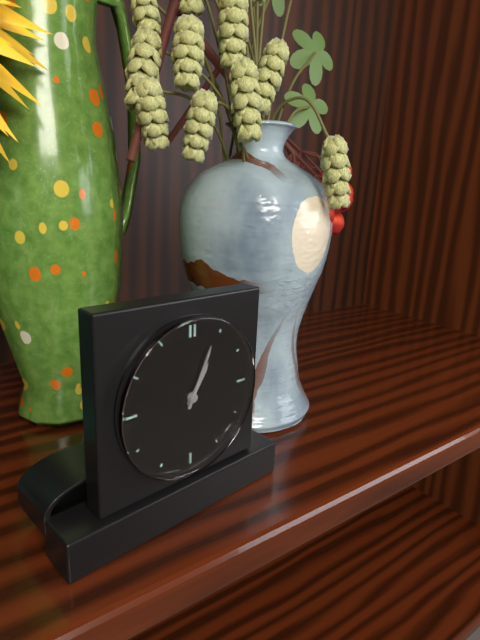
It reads 1,04
